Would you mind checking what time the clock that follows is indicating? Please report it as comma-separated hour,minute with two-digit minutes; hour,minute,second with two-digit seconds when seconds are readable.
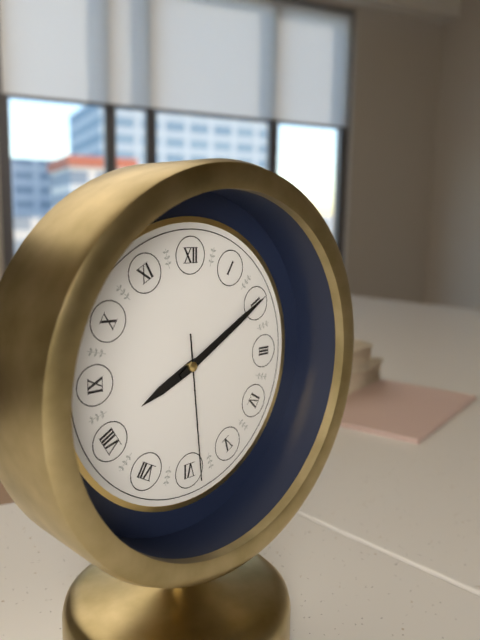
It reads 8,10,29
